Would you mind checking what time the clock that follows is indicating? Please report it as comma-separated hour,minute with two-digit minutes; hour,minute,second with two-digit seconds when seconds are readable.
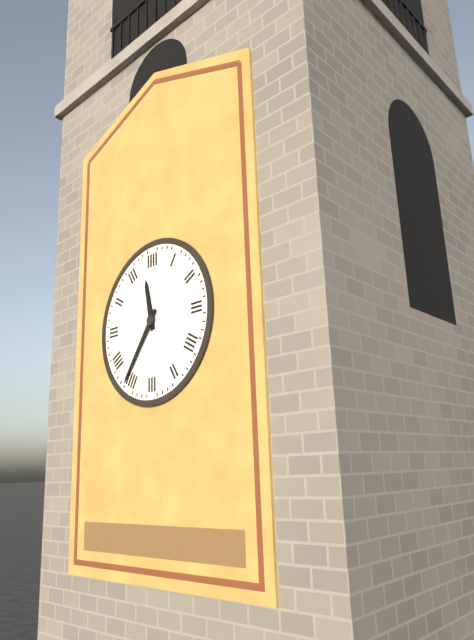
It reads 11,36
